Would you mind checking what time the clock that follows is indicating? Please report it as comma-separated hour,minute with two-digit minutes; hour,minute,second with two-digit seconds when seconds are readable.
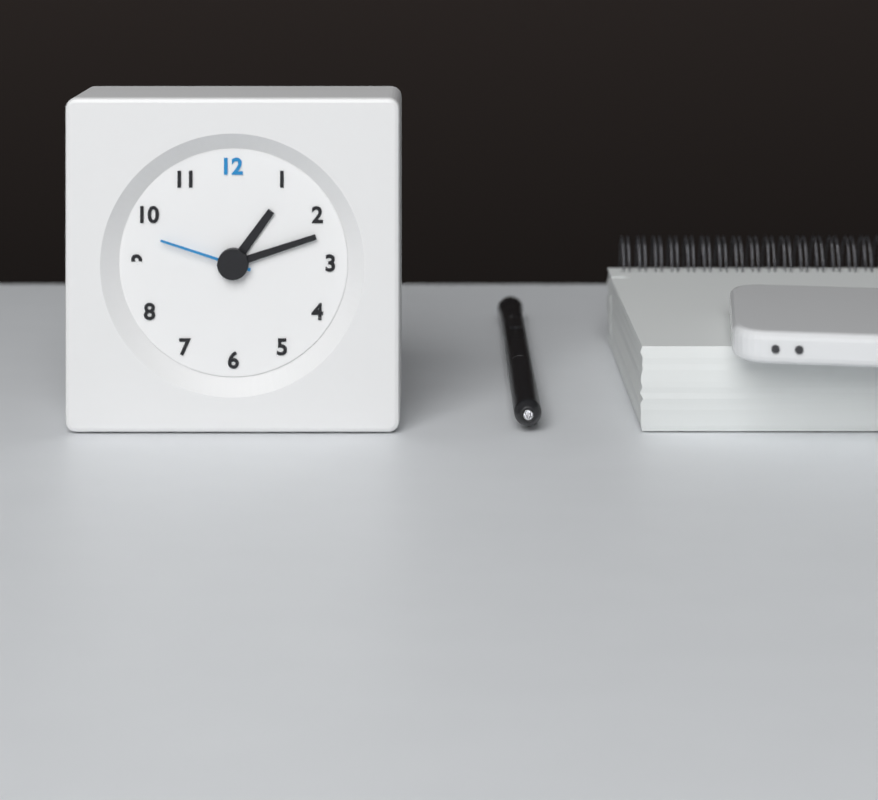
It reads 1,12,48
